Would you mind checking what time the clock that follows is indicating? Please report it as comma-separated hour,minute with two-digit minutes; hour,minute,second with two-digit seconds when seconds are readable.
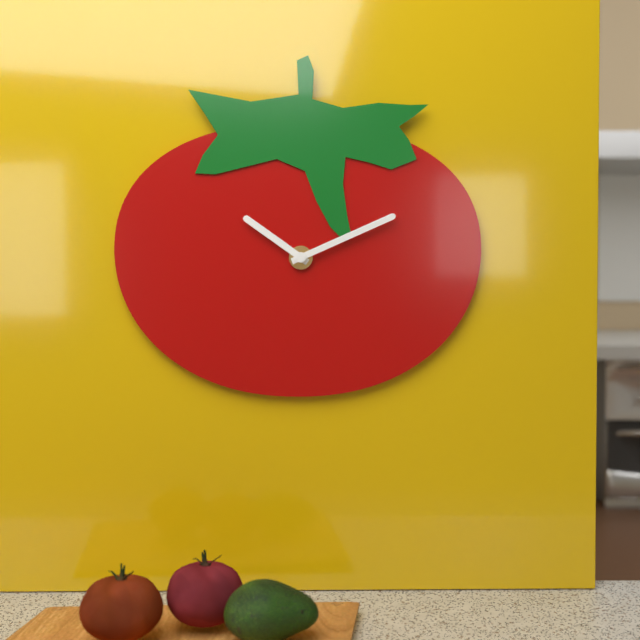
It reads 10,11
